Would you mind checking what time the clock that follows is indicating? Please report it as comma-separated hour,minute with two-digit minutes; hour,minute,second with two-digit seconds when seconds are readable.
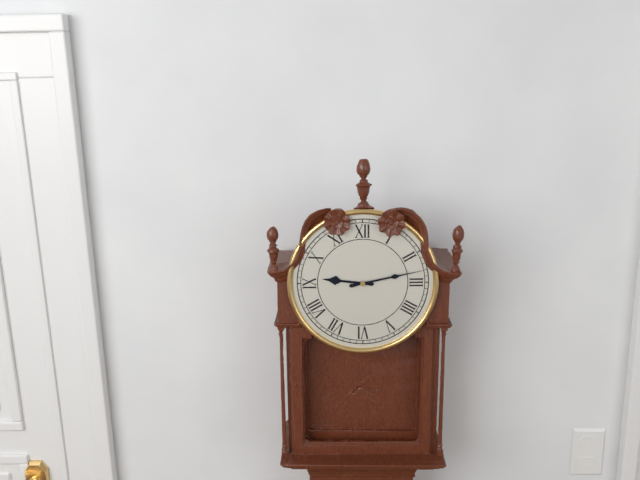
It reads 9,13
